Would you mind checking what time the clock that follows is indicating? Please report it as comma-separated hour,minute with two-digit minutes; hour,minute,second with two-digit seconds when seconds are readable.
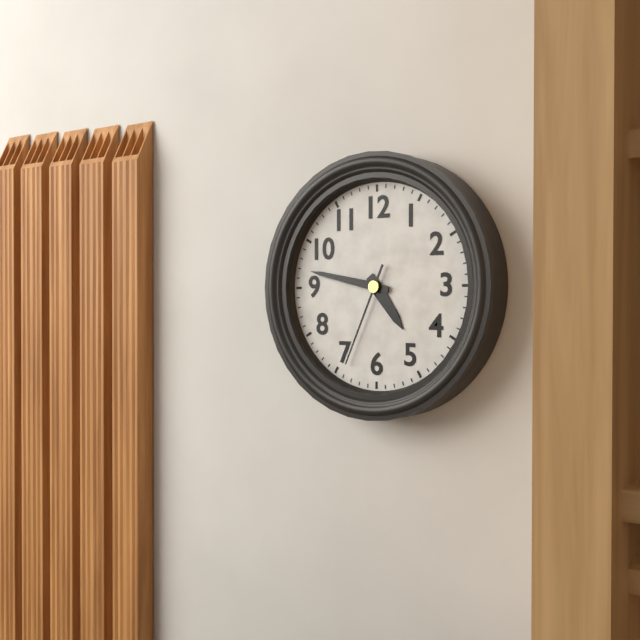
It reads 4,47,34
